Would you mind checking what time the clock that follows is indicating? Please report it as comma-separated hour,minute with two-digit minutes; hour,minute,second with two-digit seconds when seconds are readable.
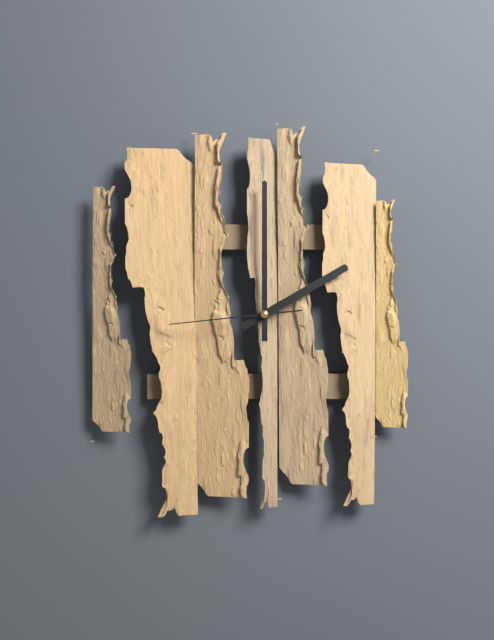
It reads 2,00,44
